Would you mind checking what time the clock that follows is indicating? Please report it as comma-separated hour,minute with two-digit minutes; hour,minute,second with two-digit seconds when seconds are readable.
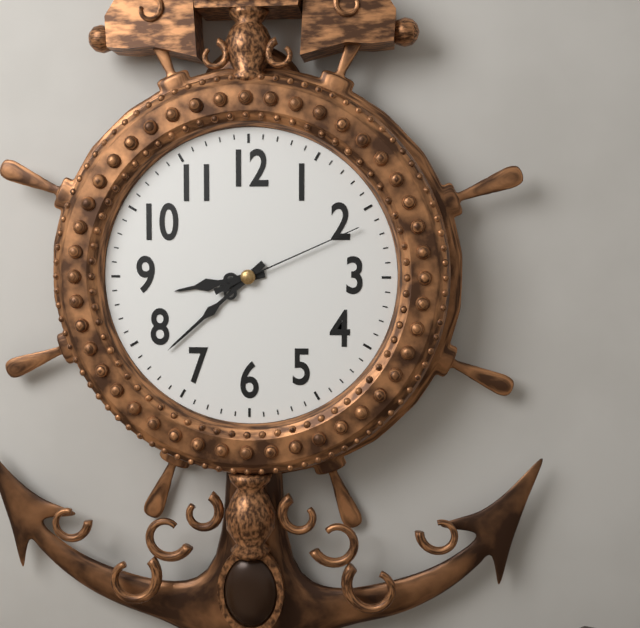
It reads 8,38,11
